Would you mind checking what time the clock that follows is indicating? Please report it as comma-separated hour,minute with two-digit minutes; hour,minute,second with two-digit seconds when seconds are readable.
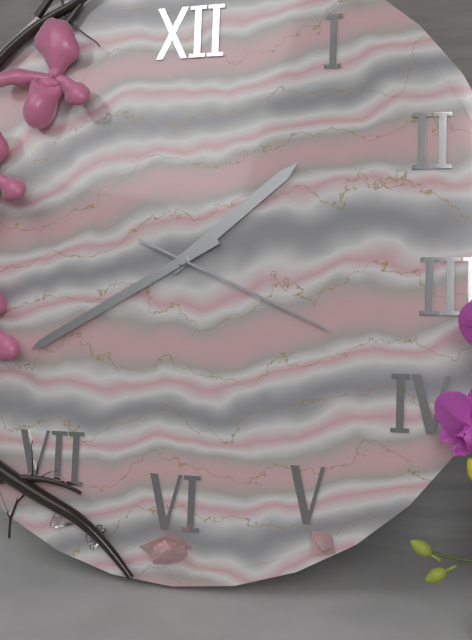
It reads 1,40,19
